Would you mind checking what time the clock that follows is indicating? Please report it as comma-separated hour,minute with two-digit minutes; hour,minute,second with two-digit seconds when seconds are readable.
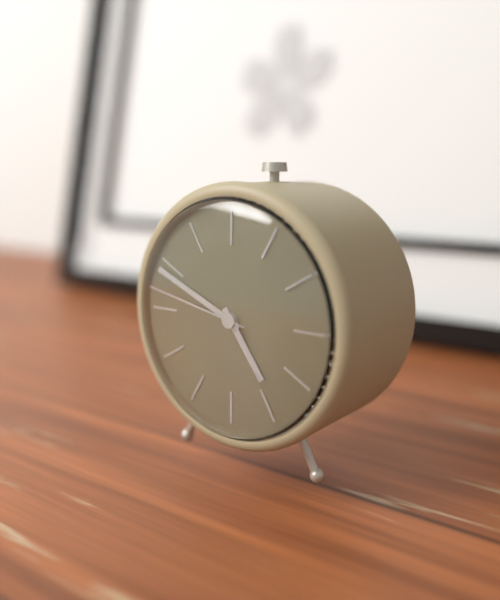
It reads 4,49,47
